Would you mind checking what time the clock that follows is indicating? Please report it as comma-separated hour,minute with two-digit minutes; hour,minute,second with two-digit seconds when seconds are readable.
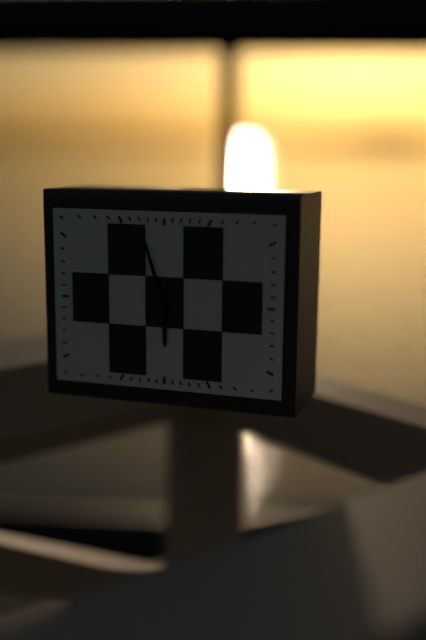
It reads 5,57
